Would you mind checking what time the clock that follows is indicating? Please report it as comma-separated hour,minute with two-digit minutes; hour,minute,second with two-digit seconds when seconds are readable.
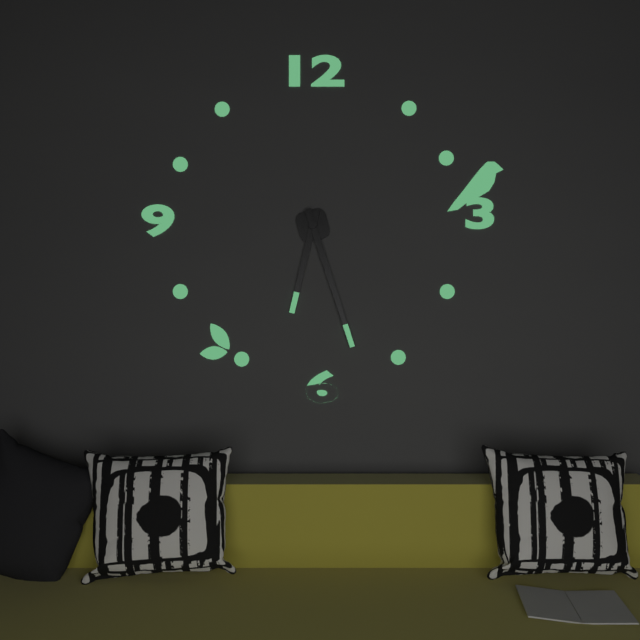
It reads 6,27
